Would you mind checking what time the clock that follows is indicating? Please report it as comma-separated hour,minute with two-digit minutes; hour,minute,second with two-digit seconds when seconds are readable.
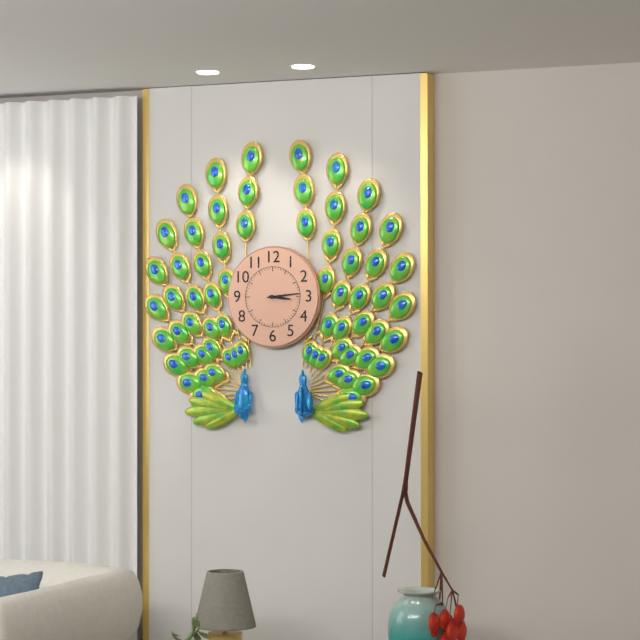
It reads 3,14
